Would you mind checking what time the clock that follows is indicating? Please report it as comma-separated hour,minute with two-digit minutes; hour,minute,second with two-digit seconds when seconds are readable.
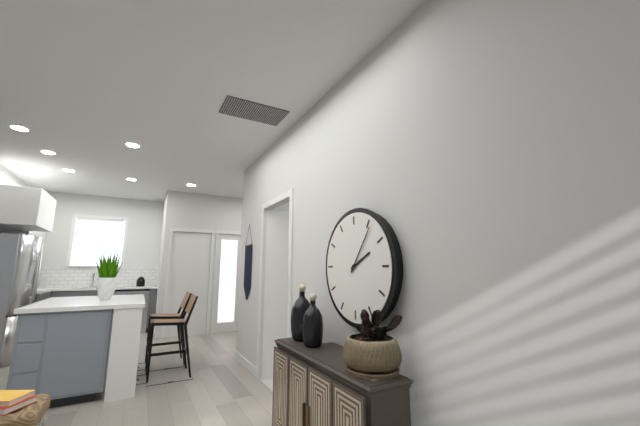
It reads 2,06
